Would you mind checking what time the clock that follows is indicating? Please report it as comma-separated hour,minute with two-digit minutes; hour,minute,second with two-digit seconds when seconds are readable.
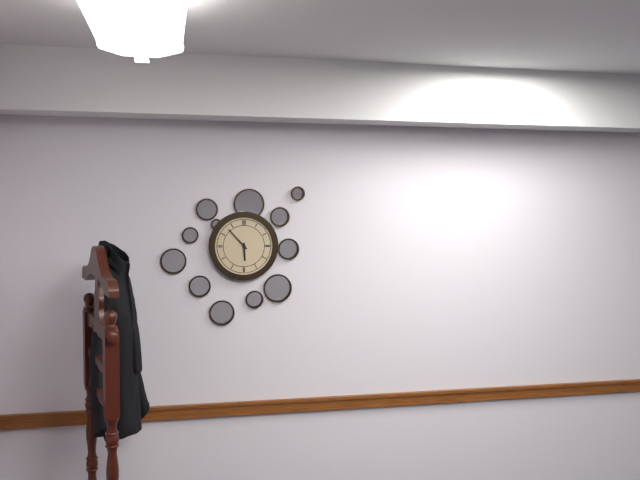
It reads 5,53
